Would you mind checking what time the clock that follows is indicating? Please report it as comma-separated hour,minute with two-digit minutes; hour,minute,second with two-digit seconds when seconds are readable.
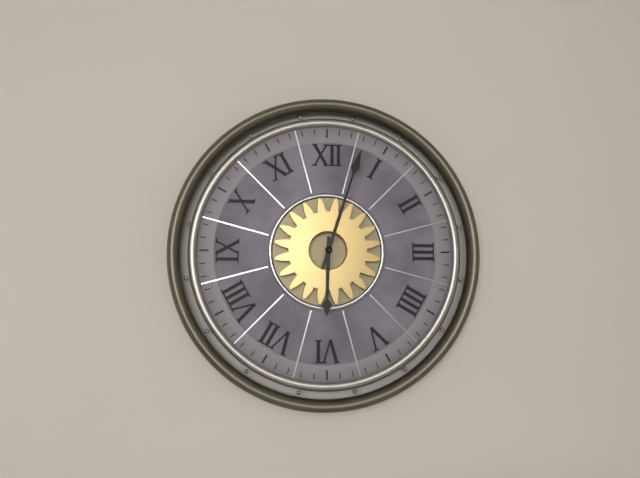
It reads 6,03
